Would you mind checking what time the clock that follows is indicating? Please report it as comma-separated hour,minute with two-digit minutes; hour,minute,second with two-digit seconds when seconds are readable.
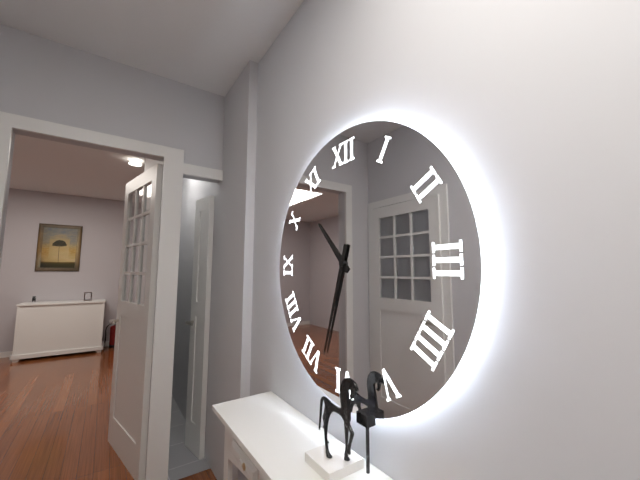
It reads 10,33
